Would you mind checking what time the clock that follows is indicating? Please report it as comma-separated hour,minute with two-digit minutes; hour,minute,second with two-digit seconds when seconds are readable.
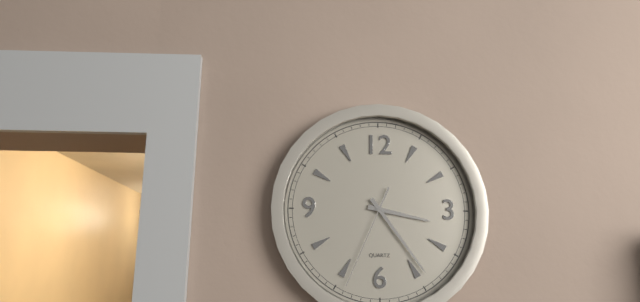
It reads 3,24,34
